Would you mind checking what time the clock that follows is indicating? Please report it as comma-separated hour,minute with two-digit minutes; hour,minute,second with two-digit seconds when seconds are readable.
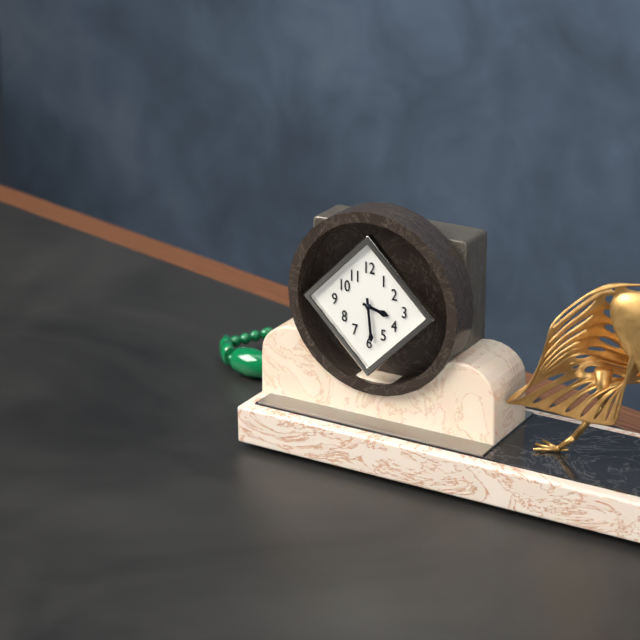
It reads 3,29
